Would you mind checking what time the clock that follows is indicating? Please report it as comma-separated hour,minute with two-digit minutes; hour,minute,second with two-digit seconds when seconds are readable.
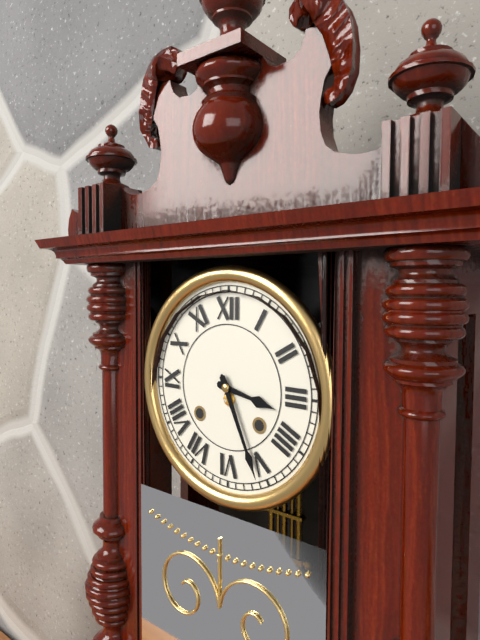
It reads 3,26
